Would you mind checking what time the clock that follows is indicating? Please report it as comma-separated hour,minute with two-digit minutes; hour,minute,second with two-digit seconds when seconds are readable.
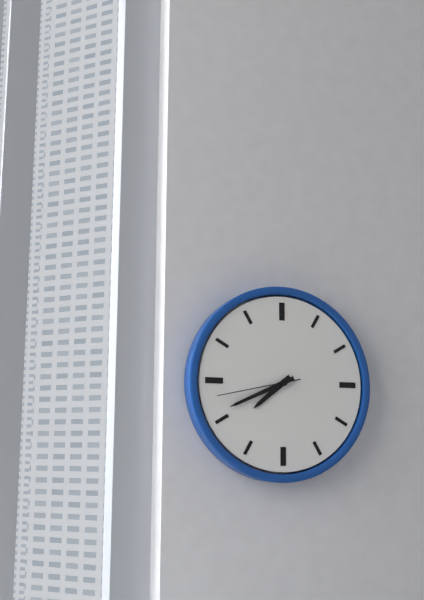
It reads 7,41,43
